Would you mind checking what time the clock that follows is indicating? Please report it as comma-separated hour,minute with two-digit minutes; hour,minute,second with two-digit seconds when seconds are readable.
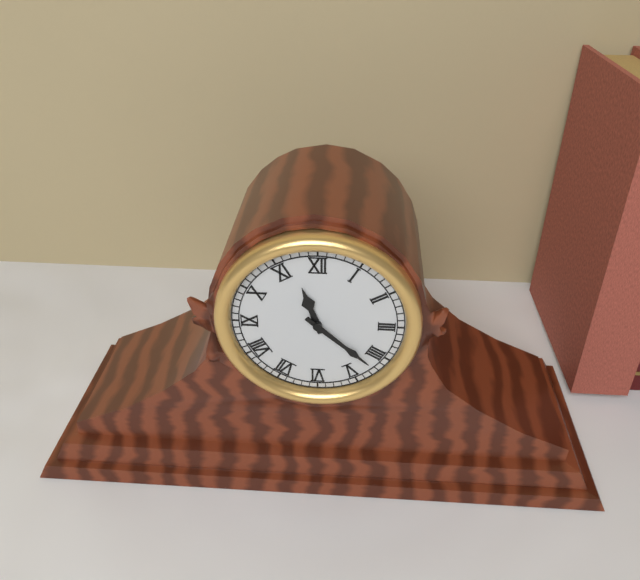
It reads 11,22
